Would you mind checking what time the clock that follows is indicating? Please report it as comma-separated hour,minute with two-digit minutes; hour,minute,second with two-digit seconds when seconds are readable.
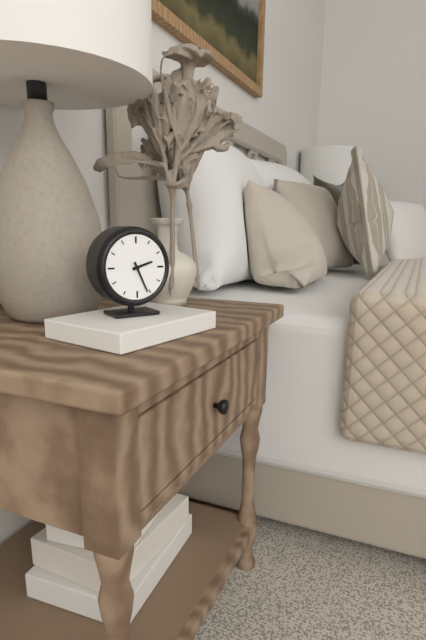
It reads 2,26
